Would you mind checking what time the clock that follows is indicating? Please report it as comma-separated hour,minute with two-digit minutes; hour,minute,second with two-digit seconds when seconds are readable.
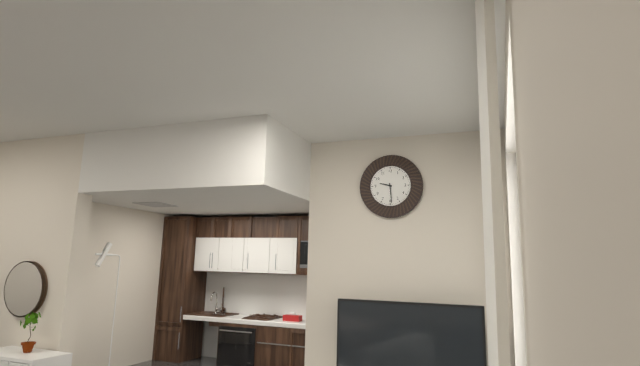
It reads 9,29
